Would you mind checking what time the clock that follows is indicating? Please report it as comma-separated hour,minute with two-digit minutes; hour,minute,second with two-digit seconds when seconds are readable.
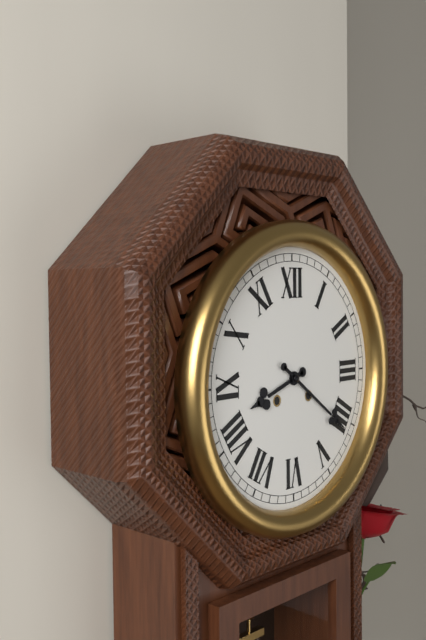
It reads 8,21
